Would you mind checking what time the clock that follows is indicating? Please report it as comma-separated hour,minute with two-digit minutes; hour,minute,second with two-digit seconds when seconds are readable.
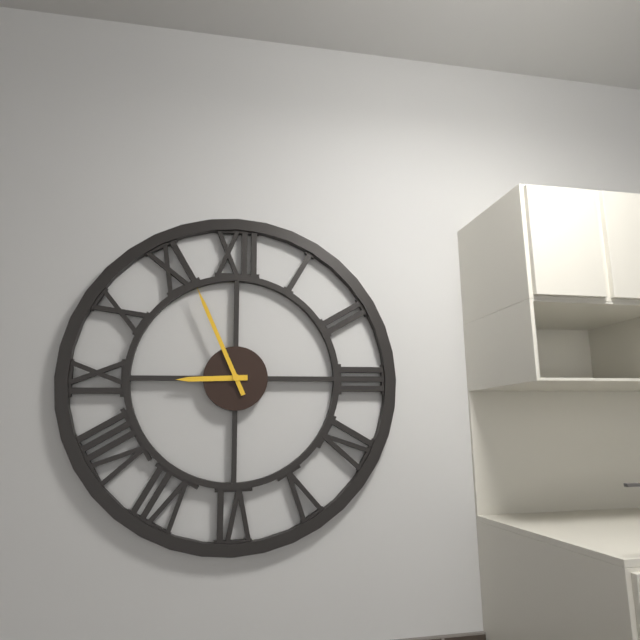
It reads 8,56
